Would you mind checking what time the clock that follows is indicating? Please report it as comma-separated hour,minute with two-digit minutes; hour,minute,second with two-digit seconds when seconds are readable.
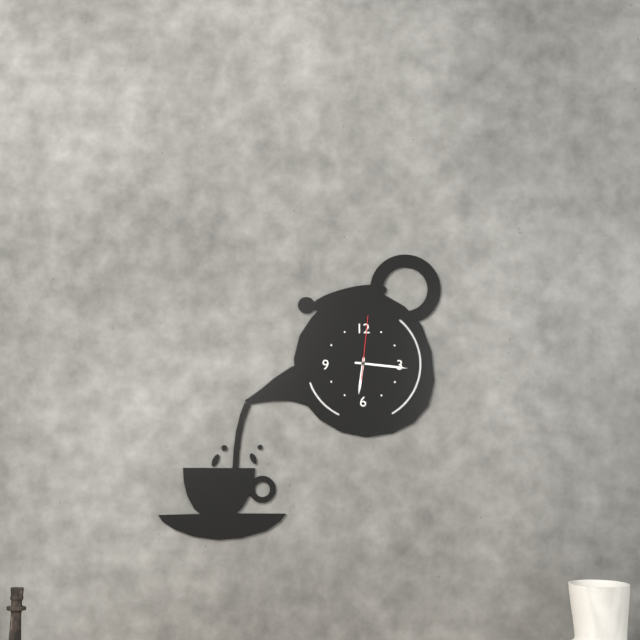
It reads 6,16,01
